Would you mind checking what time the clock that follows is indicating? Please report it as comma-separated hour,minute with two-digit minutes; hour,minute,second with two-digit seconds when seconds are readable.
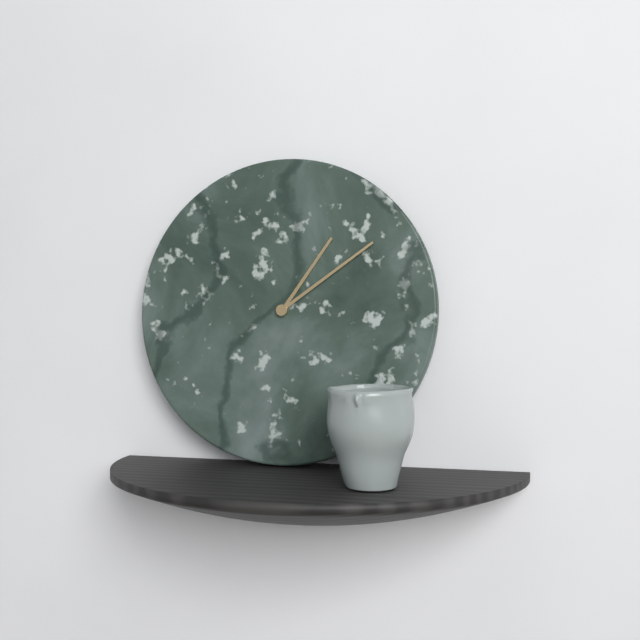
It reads 1,09
